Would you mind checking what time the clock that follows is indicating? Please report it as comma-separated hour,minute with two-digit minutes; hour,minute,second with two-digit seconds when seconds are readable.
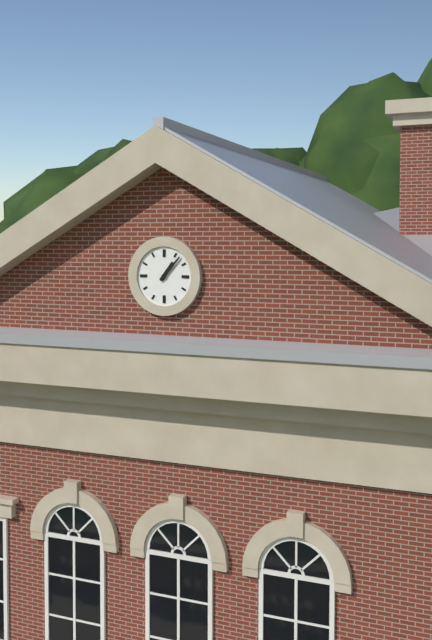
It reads 1,07
